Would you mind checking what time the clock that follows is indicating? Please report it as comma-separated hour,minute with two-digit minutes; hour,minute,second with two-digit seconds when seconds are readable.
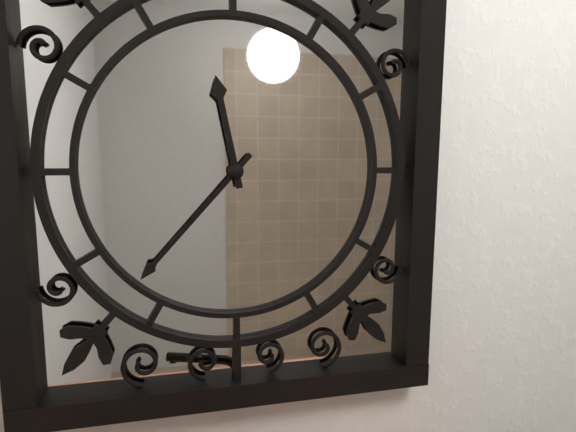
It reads 11,37
